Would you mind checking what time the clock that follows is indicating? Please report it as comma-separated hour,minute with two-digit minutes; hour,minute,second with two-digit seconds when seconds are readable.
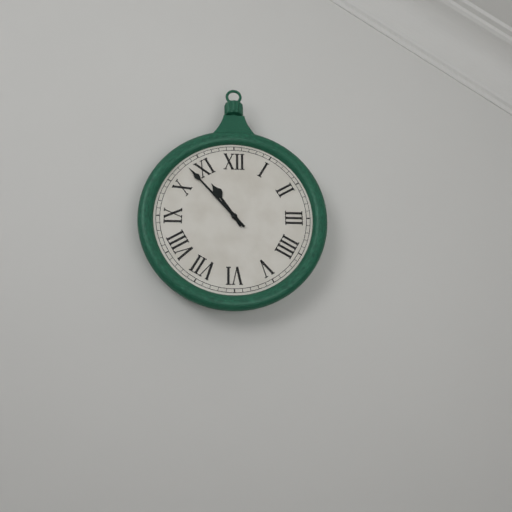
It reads 10,53
